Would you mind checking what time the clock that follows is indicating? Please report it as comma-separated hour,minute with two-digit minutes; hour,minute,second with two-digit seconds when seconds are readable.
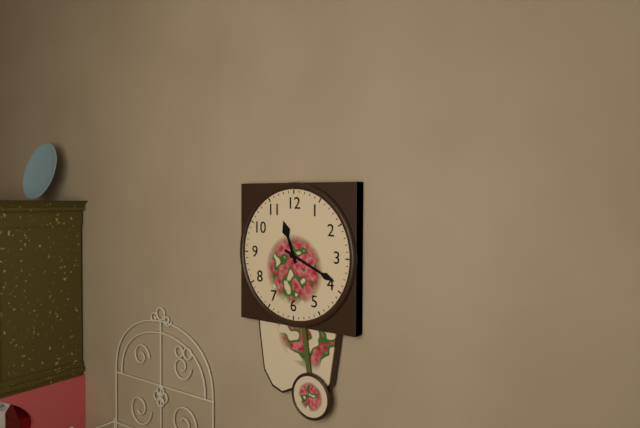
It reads 11,19
